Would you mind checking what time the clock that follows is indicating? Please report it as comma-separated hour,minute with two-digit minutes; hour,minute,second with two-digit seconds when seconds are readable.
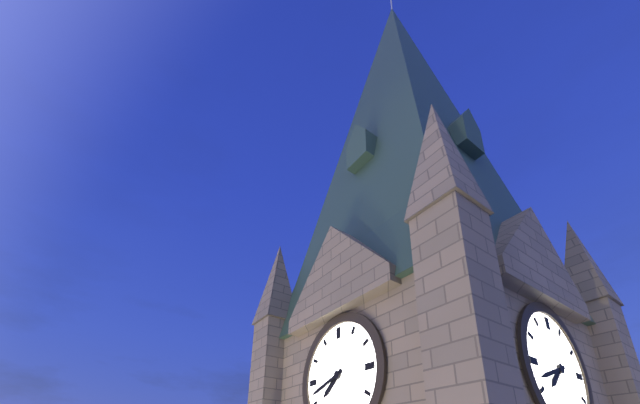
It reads 7,42
